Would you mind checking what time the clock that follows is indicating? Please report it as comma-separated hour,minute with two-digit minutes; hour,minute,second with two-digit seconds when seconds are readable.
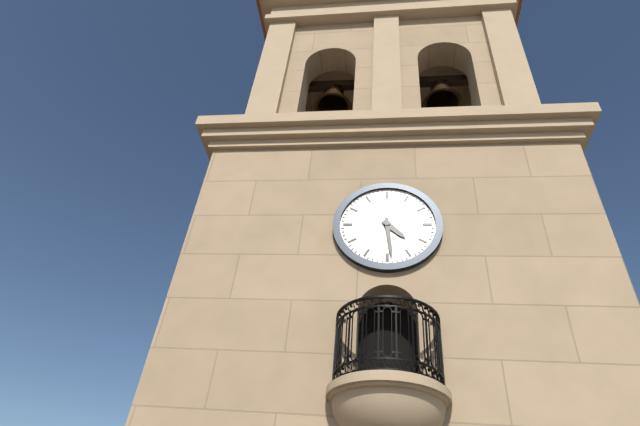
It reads 4,29
